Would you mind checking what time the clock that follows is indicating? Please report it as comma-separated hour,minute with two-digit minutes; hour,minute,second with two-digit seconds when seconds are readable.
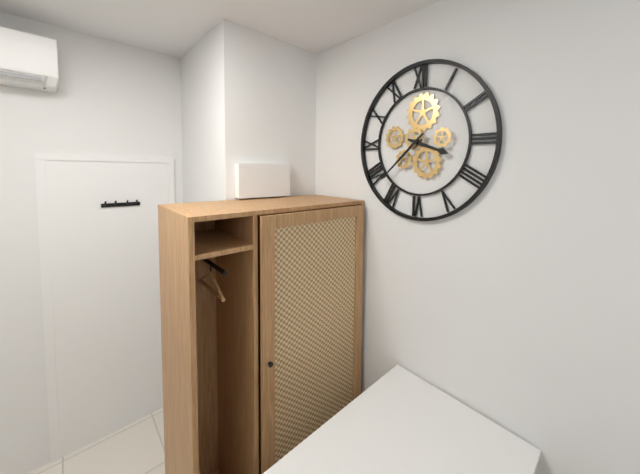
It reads 3,38
